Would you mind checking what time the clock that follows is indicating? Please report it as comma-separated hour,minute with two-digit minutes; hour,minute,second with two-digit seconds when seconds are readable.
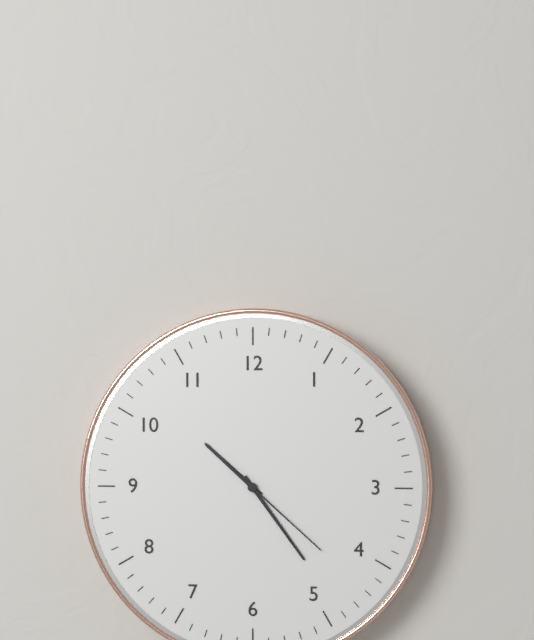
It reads 10,24,22
